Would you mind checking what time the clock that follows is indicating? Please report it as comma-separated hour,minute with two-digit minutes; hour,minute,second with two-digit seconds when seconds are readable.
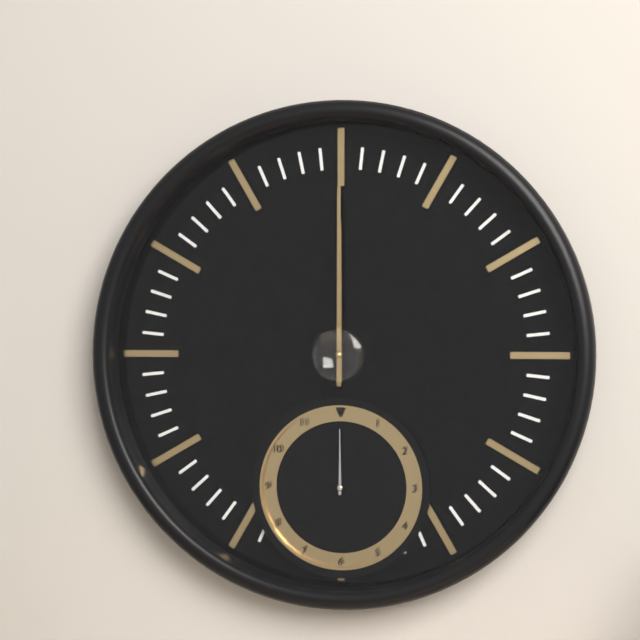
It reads 12,00
